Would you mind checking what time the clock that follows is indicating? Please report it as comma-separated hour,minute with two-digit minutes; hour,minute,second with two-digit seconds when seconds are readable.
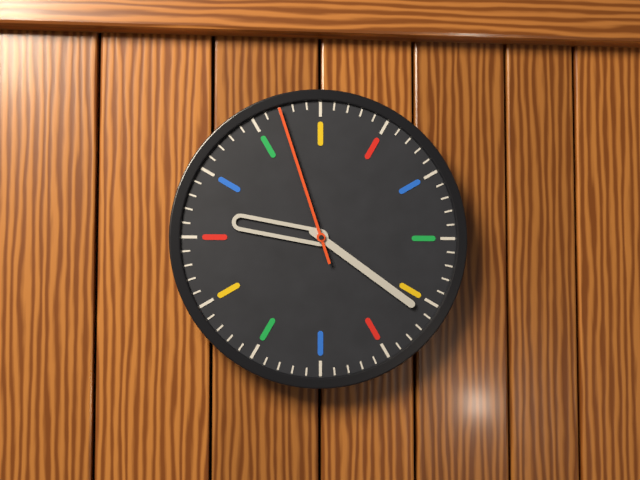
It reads 9,21,57
